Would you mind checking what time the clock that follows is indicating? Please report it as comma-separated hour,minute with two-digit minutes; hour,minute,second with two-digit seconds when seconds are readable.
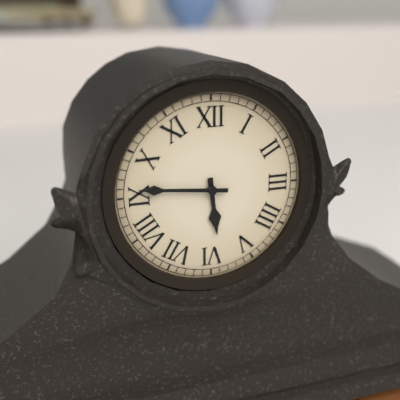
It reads 5,46
